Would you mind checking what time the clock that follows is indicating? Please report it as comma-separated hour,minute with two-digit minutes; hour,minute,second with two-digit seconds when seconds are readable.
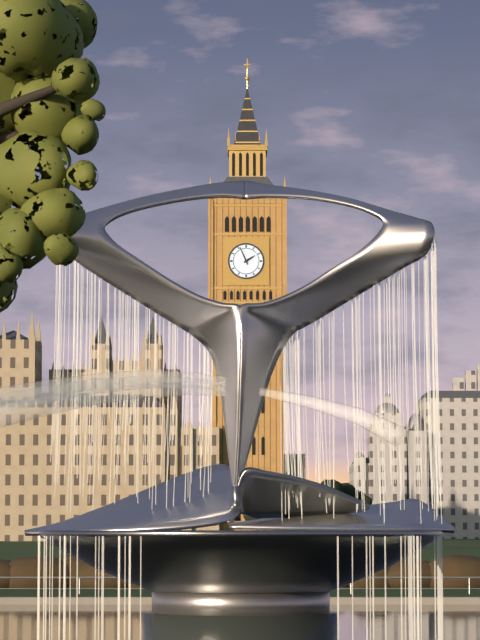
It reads 1,56
